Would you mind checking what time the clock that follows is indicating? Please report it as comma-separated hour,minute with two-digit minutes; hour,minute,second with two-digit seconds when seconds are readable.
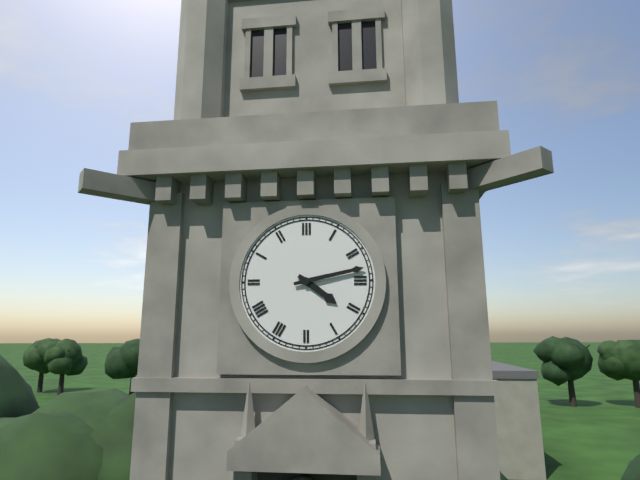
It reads 4,13
